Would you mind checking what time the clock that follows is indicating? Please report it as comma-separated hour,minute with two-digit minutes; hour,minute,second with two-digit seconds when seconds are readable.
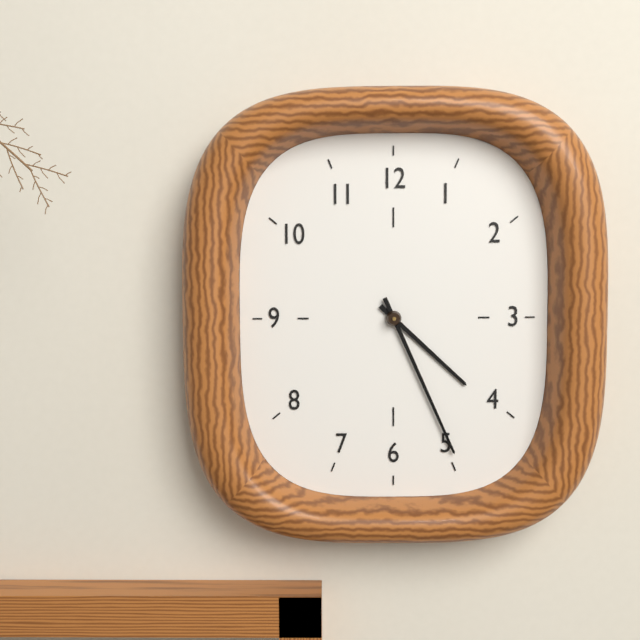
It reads 4,26
